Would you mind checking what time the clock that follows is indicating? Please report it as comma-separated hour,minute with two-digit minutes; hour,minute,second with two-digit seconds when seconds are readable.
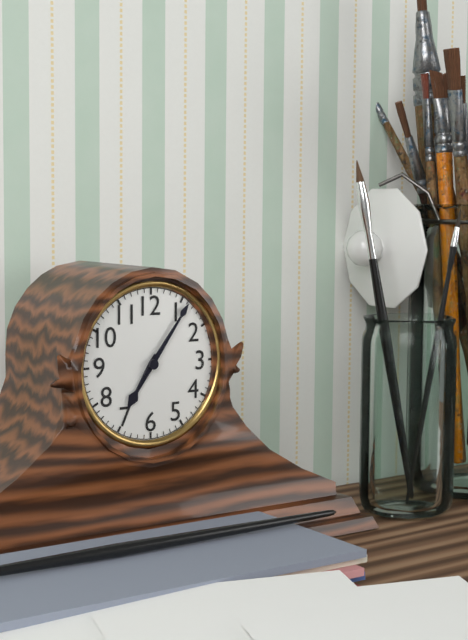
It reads 7,06
